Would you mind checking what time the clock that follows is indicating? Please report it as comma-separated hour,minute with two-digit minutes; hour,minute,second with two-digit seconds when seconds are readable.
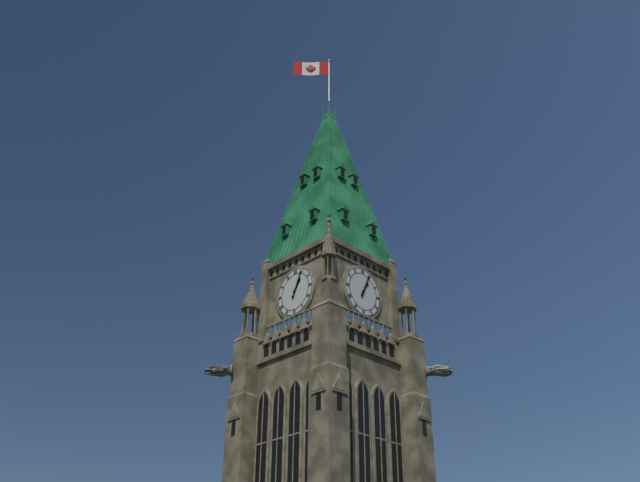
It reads 1,04
